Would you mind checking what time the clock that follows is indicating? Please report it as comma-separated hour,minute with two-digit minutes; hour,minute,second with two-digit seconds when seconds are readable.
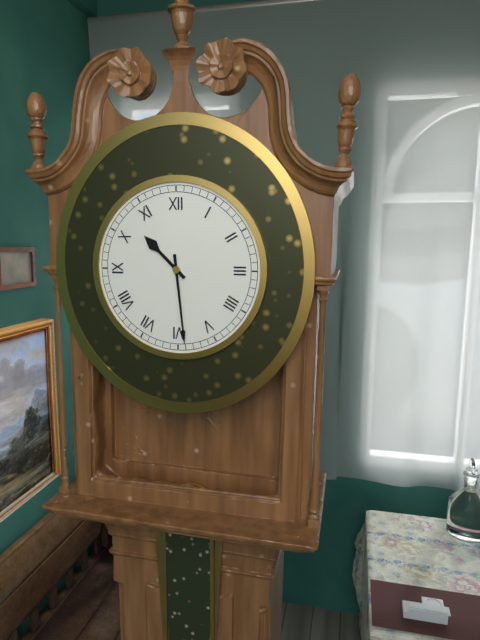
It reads 10,29
